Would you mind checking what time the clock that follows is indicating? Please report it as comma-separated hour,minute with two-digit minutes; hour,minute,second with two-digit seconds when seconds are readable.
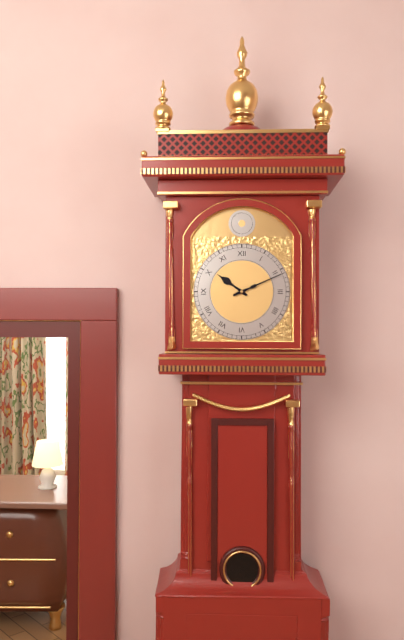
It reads 10,11
